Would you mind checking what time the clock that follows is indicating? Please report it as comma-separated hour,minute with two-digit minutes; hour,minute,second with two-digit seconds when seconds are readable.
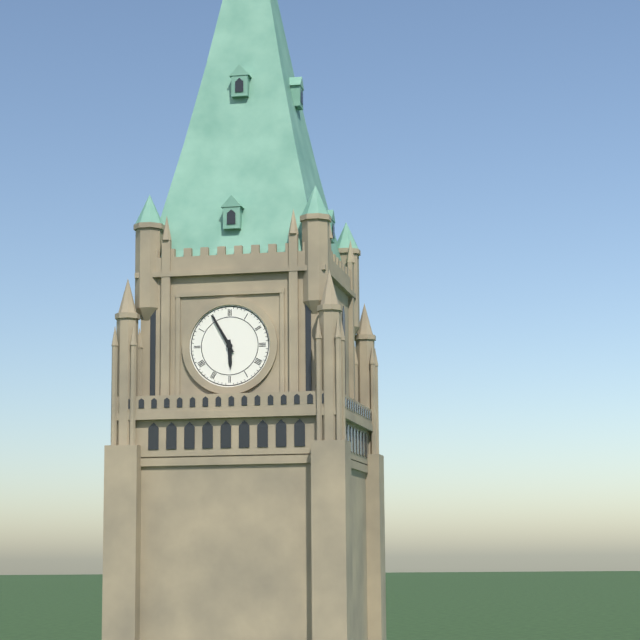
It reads 5,55
